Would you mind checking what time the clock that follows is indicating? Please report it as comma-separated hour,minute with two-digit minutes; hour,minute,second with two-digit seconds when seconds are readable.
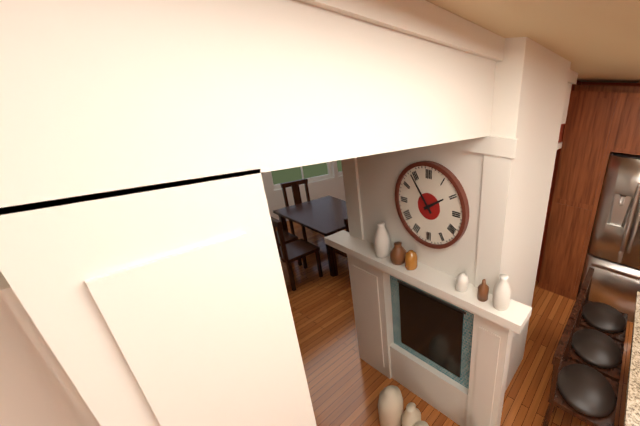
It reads 1,54
